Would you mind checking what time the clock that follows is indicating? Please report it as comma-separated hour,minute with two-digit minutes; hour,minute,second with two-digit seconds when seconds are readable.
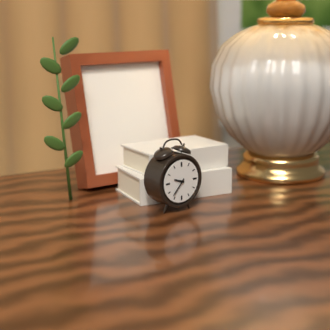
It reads 9,37
